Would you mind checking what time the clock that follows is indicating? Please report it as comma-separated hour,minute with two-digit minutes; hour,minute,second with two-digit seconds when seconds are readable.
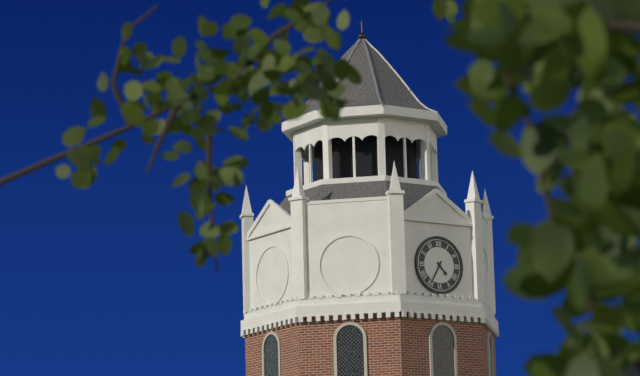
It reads 4,35
